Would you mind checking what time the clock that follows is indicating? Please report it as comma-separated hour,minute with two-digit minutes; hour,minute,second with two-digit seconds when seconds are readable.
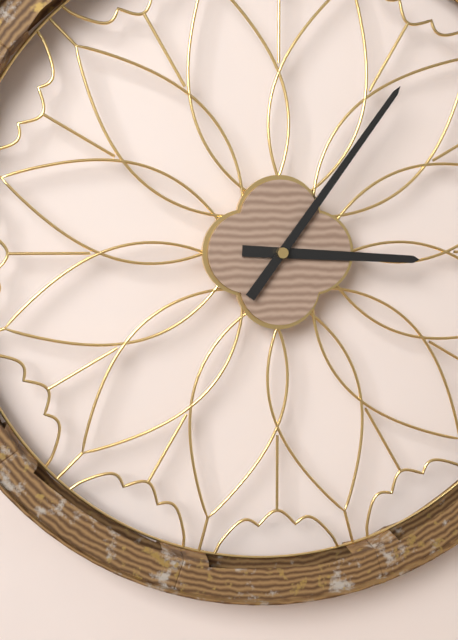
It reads 3,06
